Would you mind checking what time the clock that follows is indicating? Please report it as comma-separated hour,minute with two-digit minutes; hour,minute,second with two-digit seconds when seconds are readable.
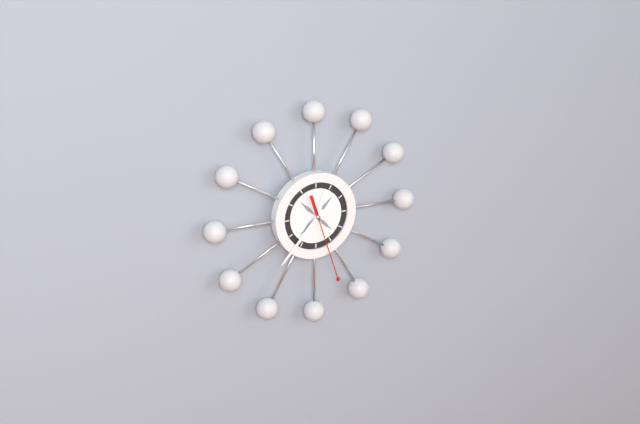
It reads 12,37,27
